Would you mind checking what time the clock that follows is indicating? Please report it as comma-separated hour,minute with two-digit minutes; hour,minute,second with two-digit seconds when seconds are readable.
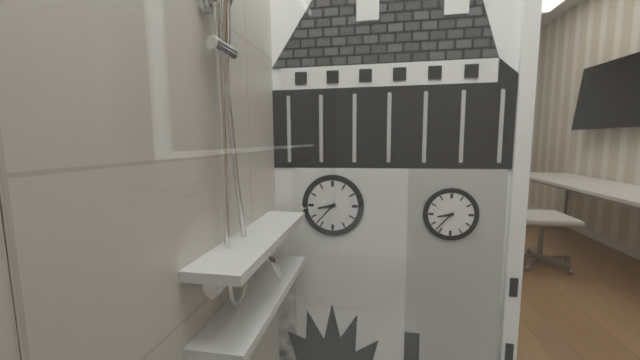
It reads 8,37
